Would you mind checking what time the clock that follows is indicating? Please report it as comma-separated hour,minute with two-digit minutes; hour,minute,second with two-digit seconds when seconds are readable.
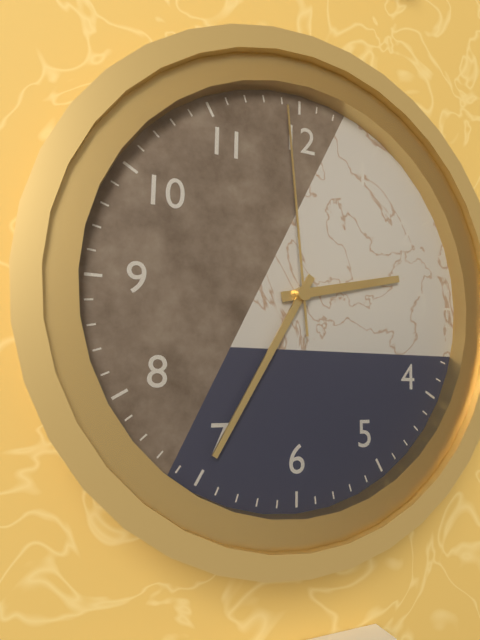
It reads 2,35,59
